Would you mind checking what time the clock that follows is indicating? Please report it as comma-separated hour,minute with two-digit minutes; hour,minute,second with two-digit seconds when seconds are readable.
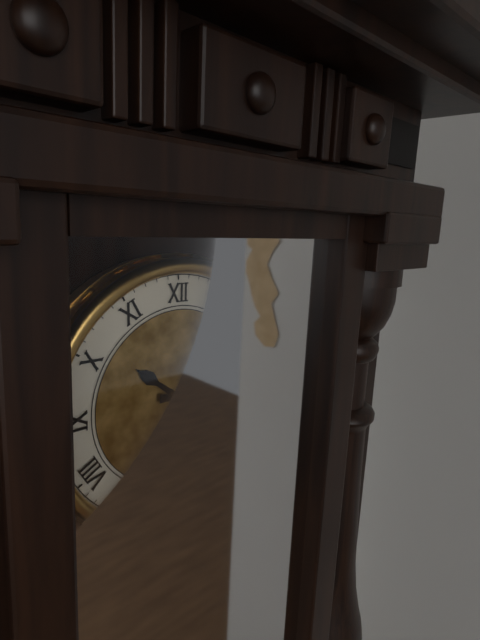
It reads 10,16
